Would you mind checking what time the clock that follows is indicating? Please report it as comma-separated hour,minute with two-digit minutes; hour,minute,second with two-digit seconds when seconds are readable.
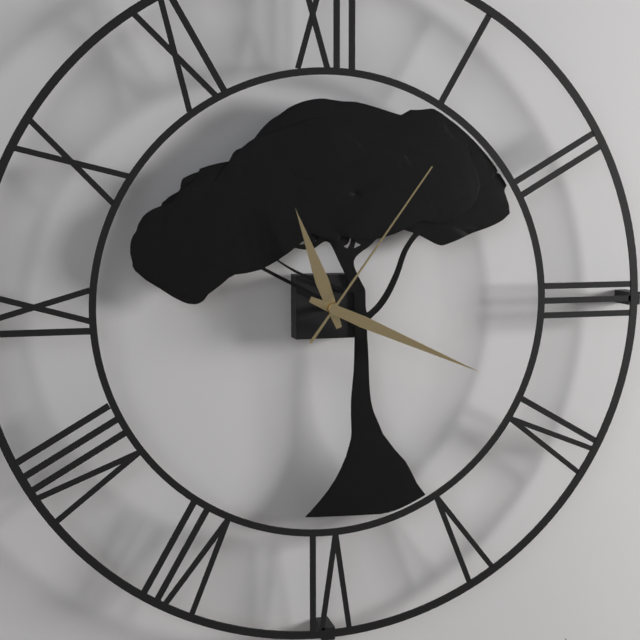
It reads 11,19,06
